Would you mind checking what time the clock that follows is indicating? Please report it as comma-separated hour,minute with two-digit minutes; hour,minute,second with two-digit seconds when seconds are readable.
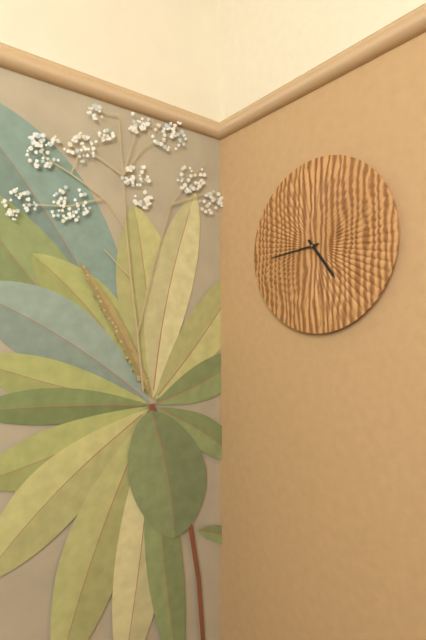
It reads 4,44
